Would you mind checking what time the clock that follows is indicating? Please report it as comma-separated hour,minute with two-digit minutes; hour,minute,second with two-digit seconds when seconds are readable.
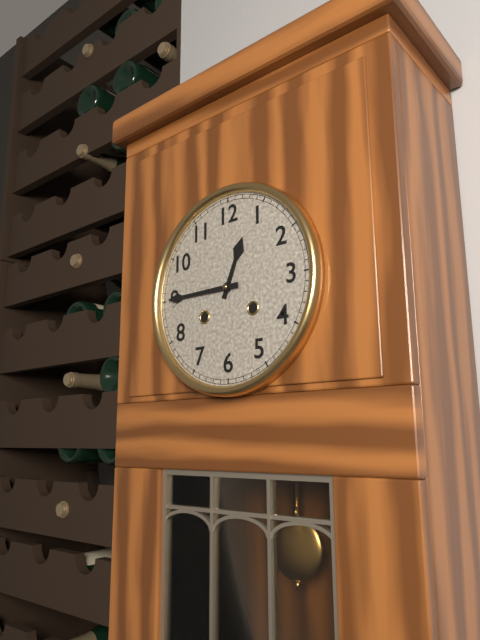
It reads 12,45
